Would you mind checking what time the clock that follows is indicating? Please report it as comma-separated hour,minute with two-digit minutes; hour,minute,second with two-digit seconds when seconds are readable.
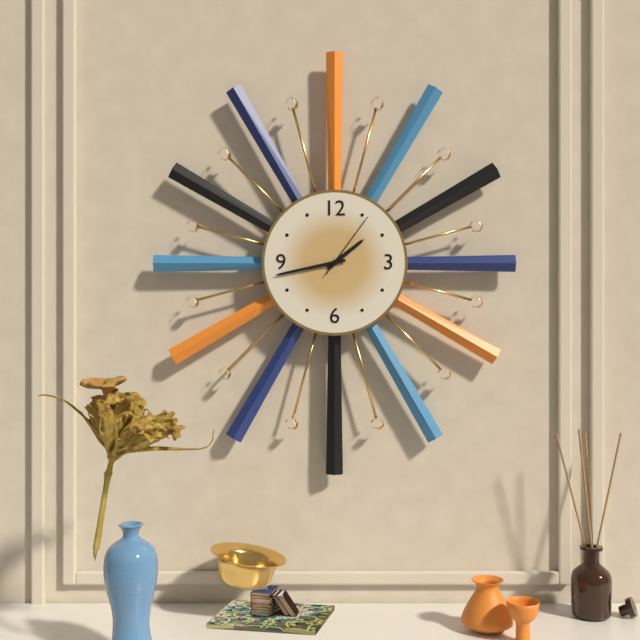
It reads 1,43,06
